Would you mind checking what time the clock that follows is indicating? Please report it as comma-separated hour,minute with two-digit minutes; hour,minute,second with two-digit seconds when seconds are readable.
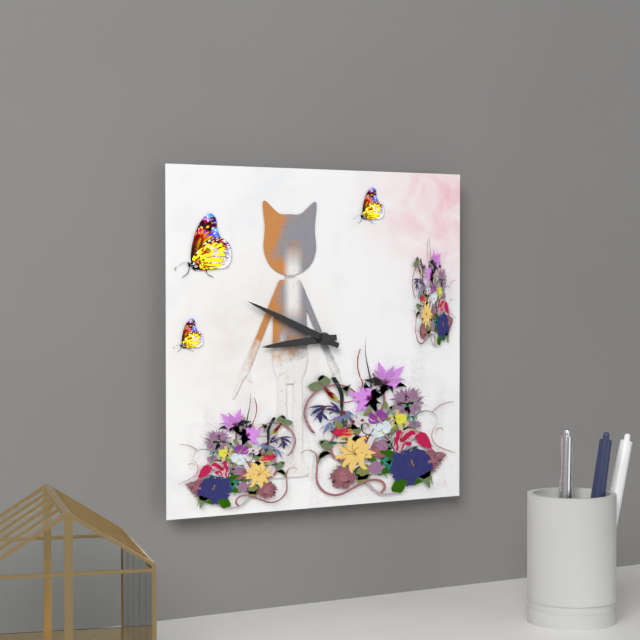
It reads 8,49
